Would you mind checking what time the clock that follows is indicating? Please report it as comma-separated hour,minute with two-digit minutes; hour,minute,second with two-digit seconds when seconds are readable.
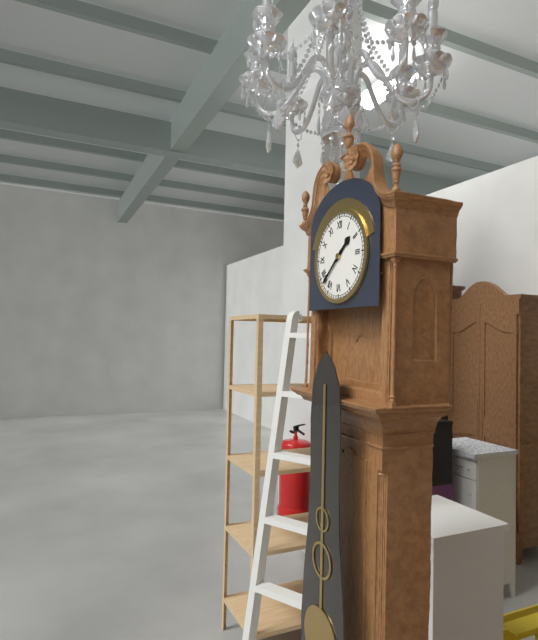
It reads 1,38
